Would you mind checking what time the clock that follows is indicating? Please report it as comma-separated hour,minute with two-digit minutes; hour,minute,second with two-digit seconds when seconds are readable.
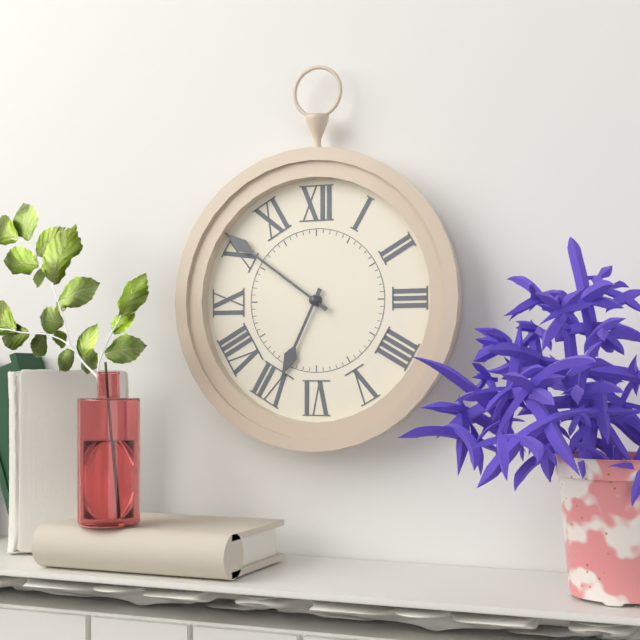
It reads 6,51
